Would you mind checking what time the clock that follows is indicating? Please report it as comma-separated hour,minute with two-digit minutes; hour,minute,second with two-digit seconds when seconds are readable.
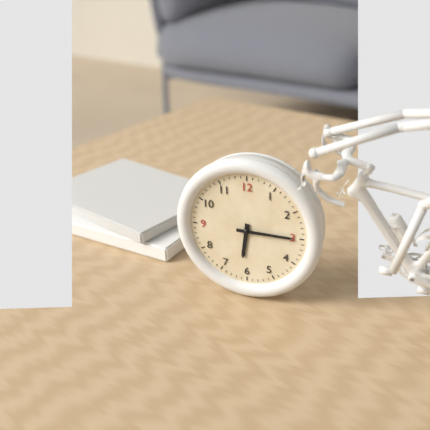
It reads 6,15
